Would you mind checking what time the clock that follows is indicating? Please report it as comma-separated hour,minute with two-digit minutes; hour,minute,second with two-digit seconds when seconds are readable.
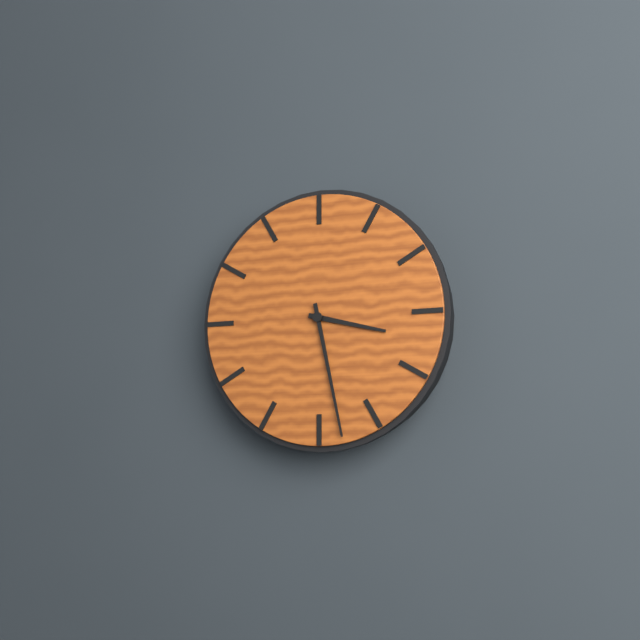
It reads 3,28
